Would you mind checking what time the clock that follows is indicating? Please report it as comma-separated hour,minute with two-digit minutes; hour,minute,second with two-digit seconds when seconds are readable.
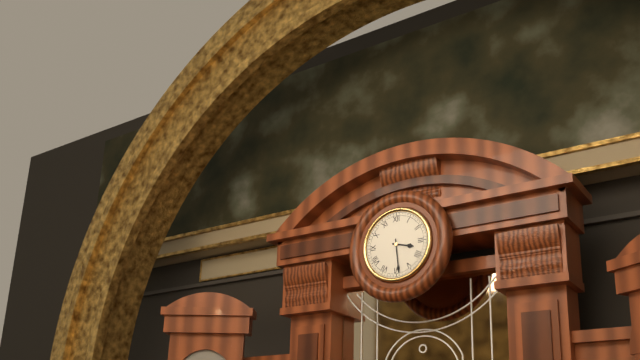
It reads 3,29
